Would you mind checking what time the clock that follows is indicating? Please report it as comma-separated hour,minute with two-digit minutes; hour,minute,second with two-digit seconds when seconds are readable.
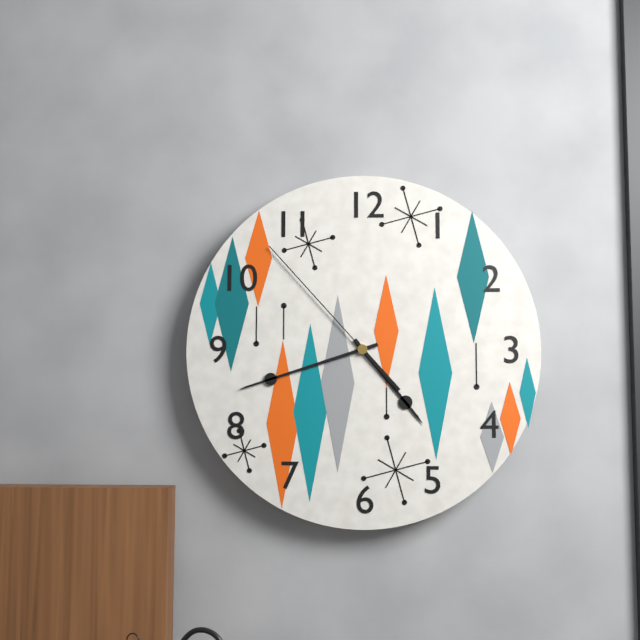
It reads 4,42,53
